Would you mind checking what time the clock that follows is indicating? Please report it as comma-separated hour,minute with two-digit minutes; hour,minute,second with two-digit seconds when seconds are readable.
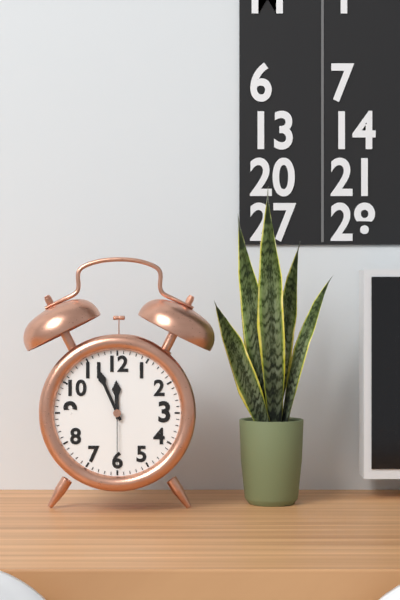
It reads 11,56,30
